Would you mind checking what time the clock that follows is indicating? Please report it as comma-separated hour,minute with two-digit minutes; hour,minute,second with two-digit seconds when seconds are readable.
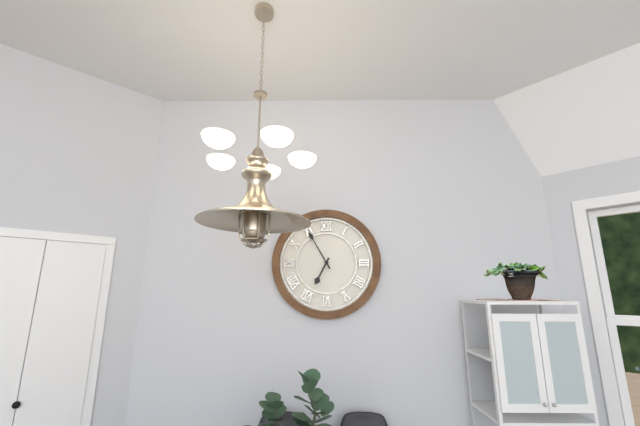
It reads 6,55
